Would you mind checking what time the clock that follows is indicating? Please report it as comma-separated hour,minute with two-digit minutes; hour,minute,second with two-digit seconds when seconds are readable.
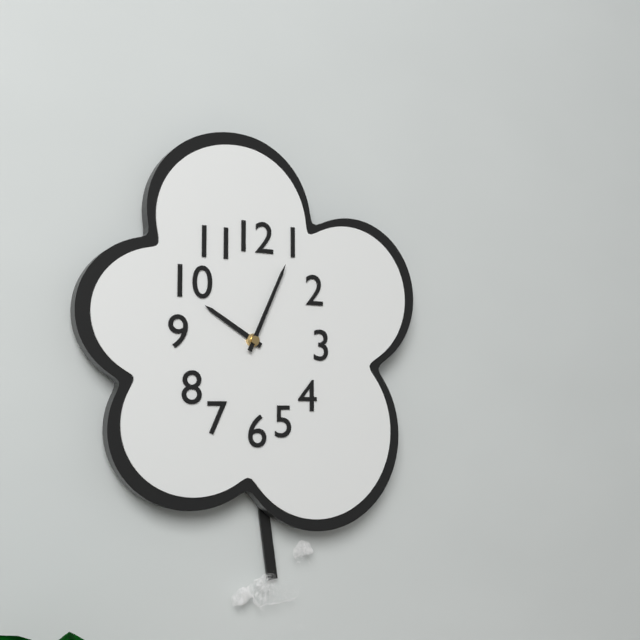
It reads 10,04
